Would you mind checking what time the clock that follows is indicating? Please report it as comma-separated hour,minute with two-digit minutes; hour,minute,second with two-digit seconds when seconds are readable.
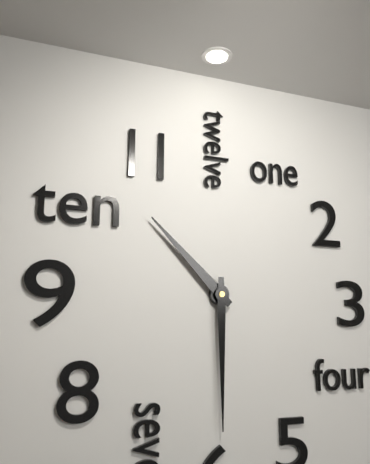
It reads 10,30
